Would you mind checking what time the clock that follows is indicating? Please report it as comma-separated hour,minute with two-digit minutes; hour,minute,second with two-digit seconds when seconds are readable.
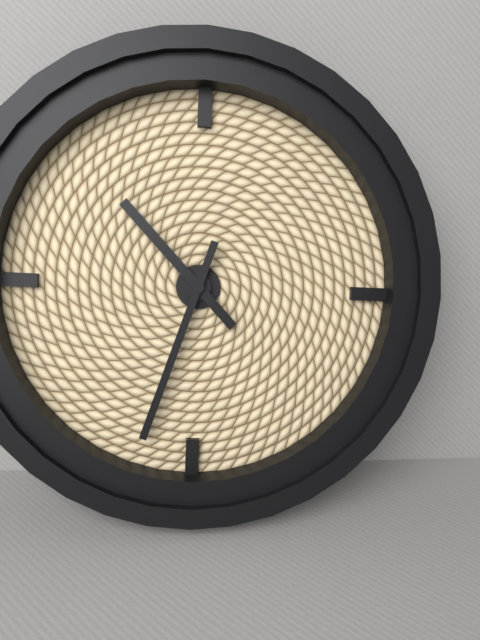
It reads 10,33
